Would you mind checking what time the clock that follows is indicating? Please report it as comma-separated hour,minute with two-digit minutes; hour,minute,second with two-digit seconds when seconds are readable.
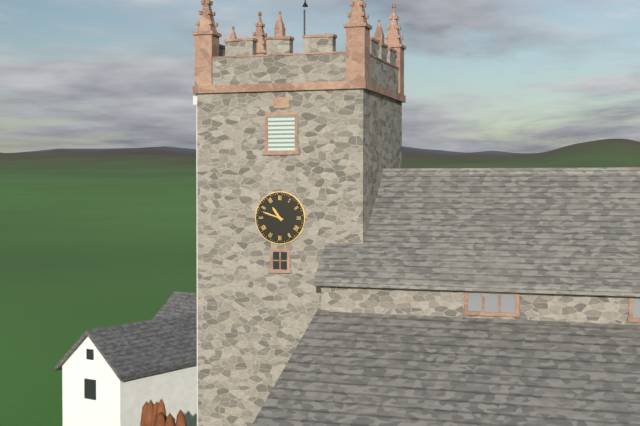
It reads 10,48
